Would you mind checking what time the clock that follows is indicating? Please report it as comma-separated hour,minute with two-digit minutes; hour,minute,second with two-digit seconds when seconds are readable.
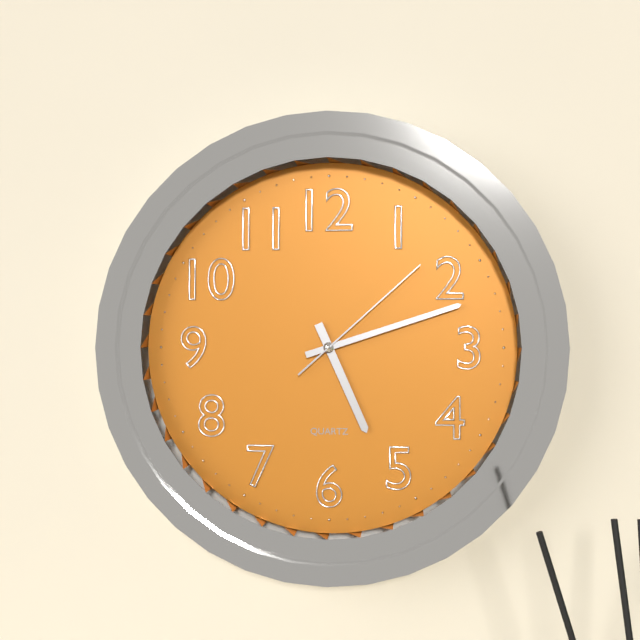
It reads 5,12,08
